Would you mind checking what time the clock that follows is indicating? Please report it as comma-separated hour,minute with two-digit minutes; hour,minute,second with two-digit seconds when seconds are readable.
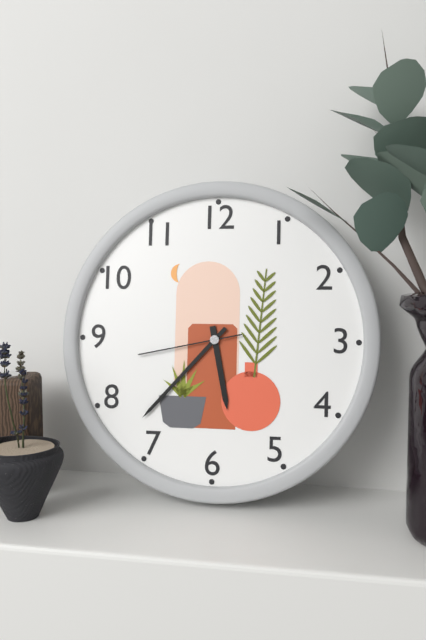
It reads 5,37,43
